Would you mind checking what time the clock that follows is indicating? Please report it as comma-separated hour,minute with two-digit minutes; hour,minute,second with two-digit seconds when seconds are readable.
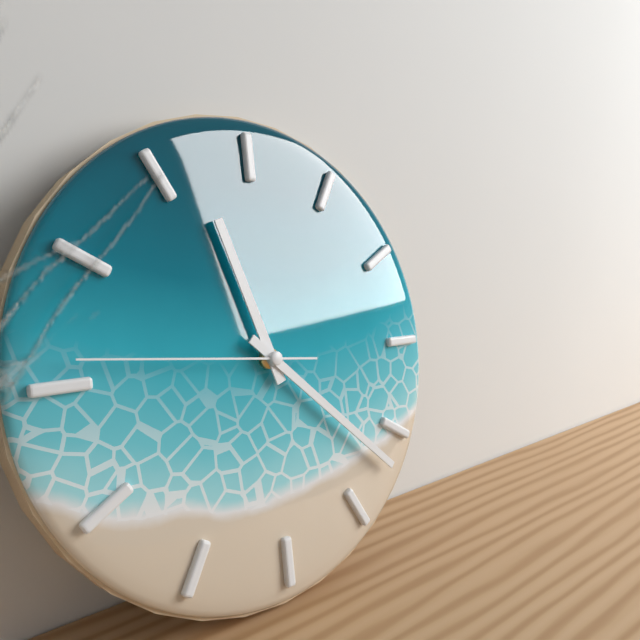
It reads 11,22,46
